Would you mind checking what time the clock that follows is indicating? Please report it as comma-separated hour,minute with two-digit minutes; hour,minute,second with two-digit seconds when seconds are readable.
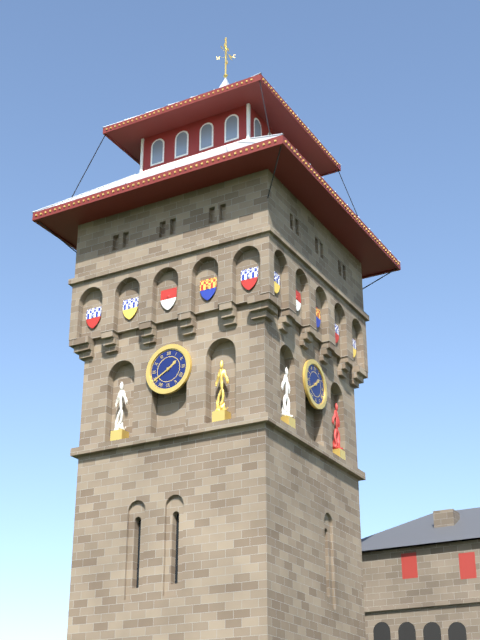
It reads 1,40
